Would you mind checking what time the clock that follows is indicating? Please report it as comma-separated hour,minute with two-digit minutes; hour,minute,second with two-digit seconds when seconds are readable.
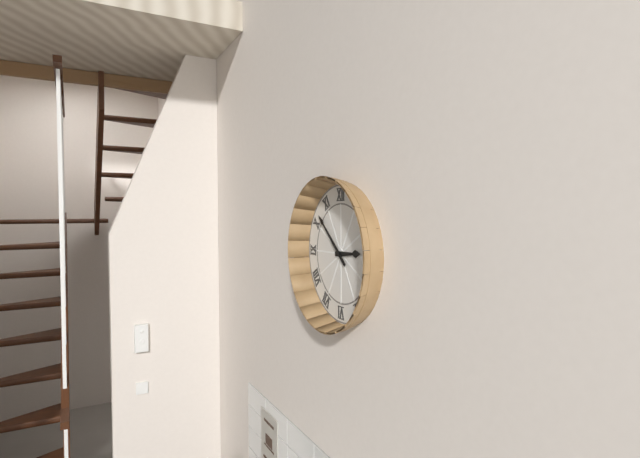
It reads 2,52
